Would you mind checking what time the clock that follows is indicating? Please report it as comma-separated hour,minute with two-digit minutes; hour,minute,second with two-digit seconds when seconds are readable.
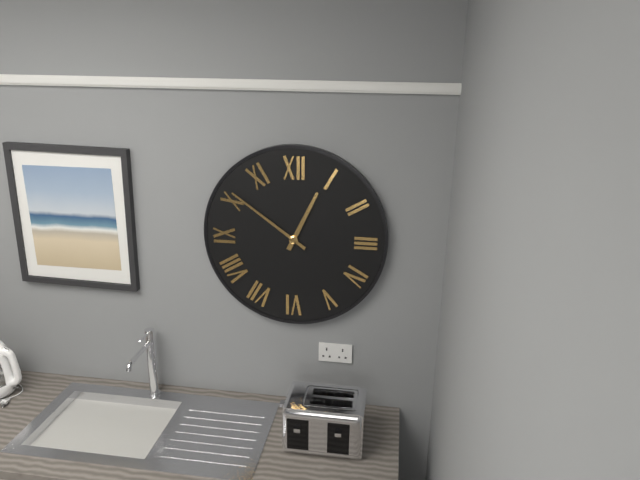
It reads 12,51
